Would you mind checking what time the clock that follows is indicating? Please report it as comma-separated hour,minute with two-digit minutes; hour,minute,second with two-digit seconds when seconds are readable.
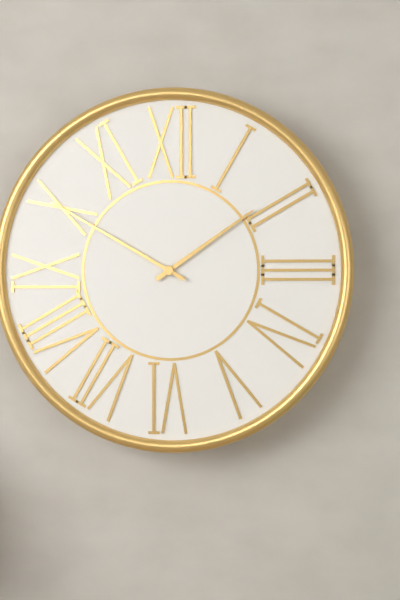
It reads 1,50
